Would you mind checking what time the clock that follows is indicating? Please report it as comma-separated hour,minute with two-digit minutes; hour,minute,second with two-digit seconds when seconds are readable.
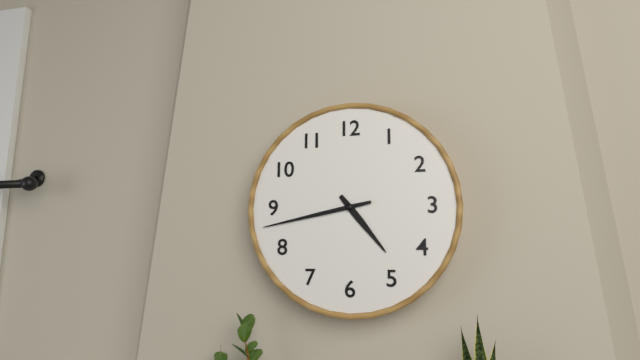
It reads 4,43
